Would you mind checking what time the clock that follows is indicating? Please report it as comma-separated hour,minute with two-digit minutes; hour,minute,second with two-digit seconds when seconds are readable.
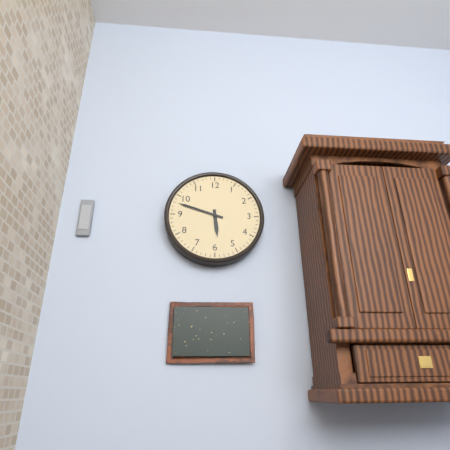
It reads 5,48
